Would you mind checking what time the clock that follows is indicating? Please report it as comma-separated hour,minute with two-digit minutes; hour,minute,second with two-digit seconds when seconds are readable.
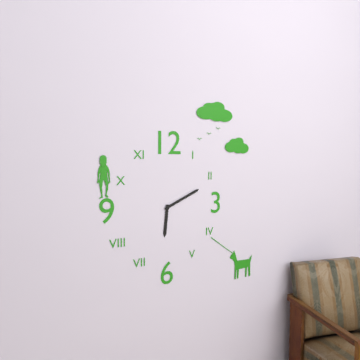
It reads 6,11
